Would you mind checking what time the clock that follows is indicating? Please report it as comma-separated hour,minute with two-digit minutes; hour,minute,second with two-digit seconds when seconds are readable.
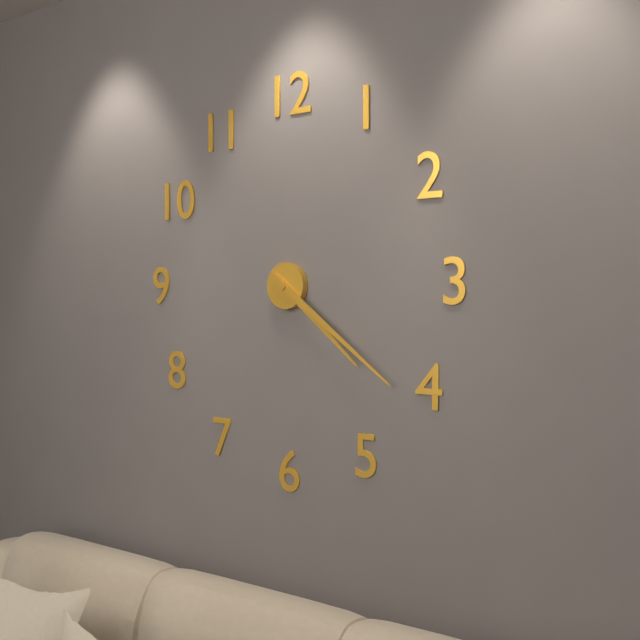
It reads 4,21
